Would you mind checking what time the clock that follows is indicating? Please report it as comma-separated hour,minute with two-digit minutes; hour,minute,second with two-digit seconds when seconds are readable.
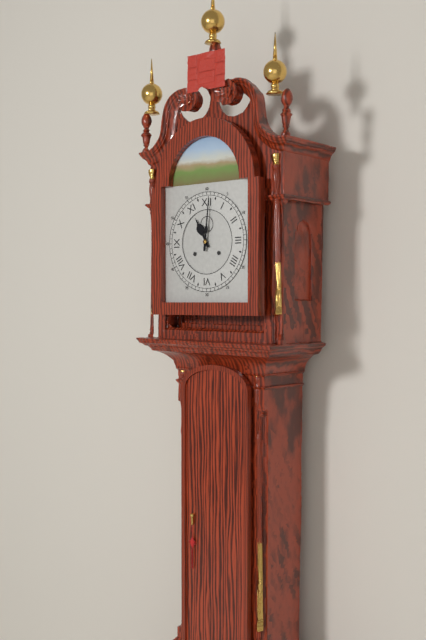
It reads 11,01
